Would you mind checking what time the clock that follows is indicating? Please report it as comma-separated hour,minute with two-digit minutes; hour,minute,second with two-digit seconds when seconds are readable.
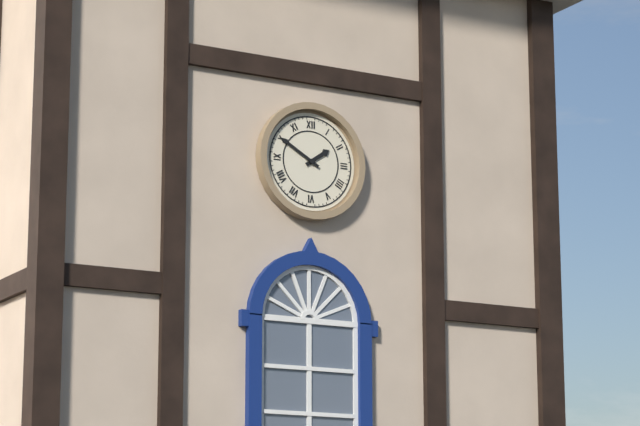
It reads 1,50
